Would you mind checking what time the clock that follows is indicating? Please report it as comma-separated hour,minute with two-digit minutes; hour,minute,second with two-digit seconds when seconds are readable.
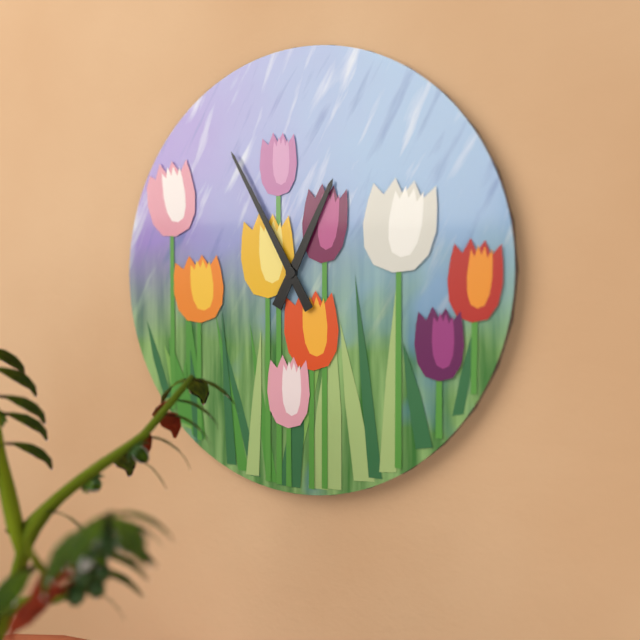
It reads 12,55
